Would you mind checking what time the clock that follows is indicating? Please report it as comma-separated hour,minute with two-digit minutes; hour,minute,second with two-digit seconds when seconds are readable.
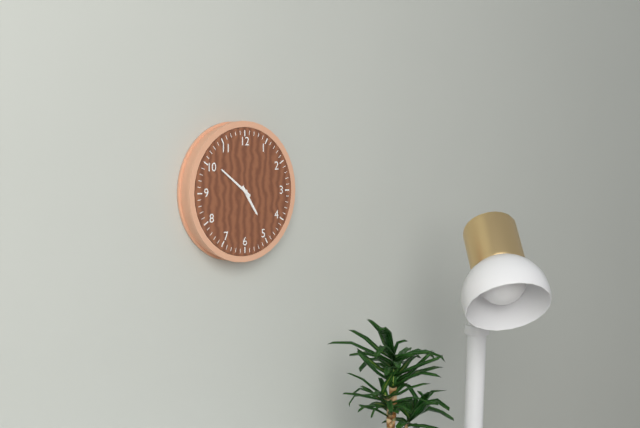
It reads 4,51
